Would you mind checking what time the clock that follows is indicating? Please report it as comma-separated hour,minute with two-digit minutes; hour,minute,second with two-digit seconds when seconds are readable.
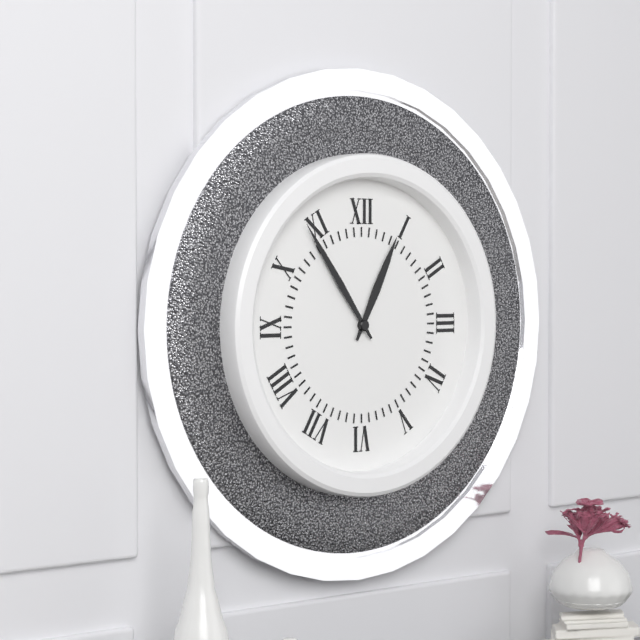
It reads 12,54
